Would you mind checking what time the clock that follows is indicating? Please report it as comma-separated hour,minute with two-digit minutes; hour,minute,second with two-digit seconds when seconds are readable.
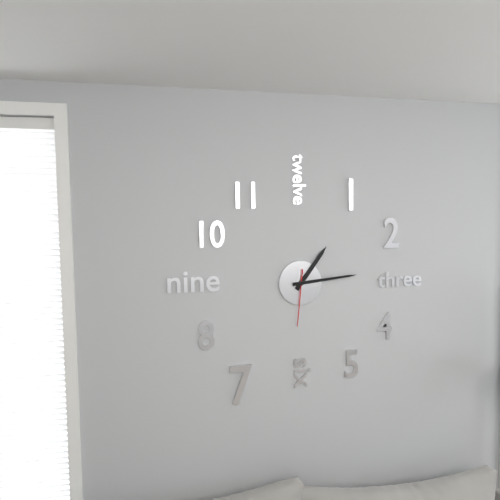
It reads 1,14,31
